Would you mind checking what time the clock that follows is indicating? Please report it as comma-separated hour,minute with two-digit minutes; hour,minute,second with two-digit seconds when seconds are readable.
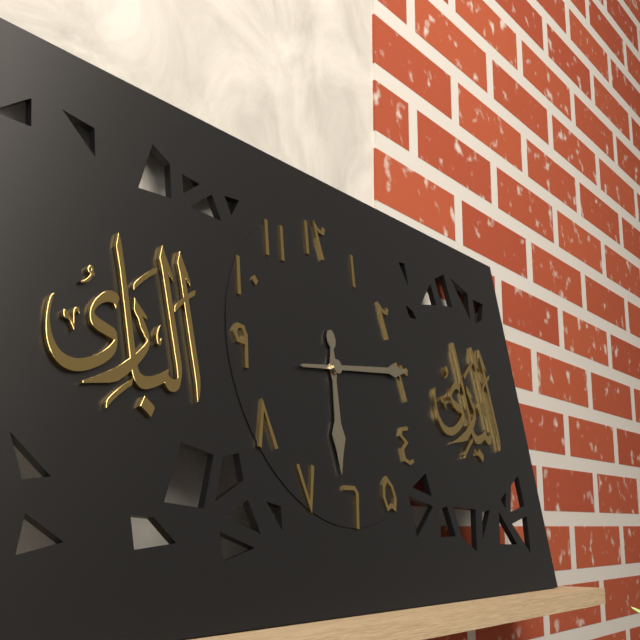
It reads 6,14
